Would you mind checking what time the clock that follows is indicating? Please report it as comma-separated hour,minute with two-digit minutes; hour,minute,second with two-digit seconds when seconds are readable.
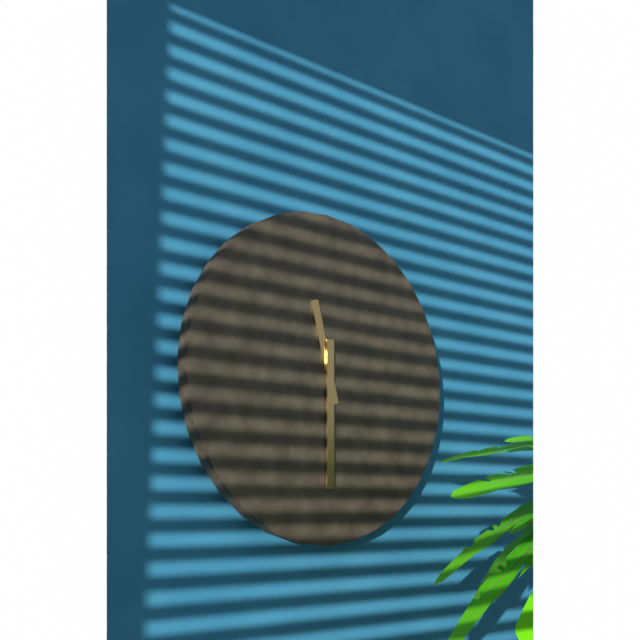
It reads 11,30
